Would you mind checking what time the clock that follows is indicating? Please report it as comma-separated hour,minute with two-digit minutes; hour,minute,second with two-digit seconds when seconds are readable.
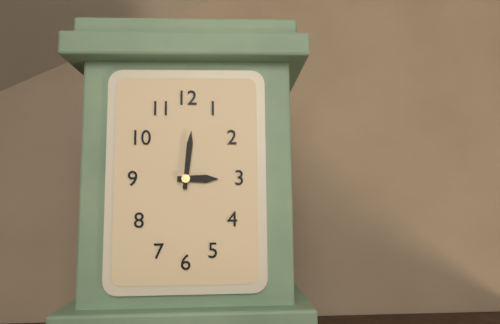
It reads 3,01
